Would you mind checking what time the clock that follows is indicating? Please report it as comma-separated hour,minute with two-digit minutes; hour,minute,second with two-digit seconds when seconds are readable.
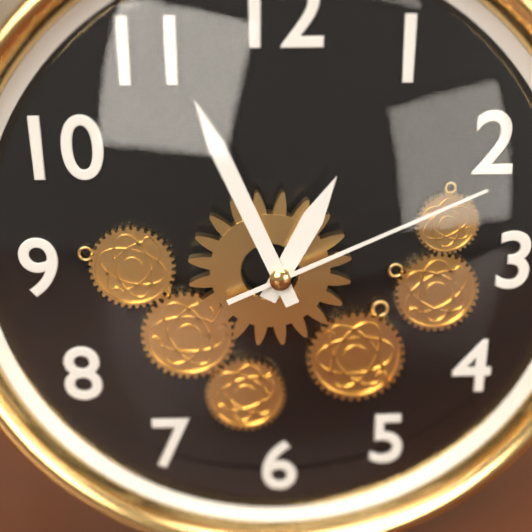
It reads 12,56,11
